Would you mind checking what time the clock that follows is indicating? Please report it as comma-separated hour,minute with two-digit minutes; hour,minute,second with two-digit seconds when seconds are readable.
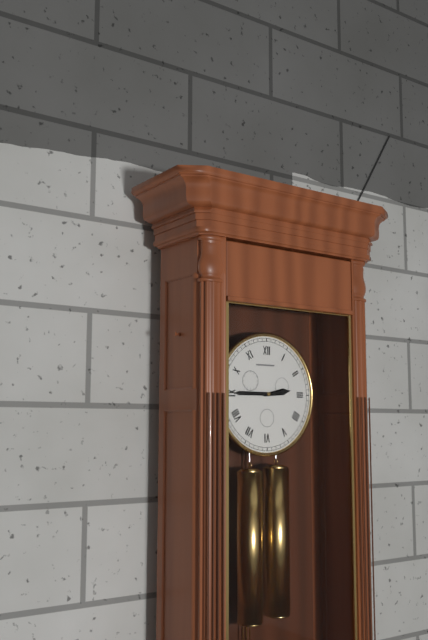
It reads 2,45
